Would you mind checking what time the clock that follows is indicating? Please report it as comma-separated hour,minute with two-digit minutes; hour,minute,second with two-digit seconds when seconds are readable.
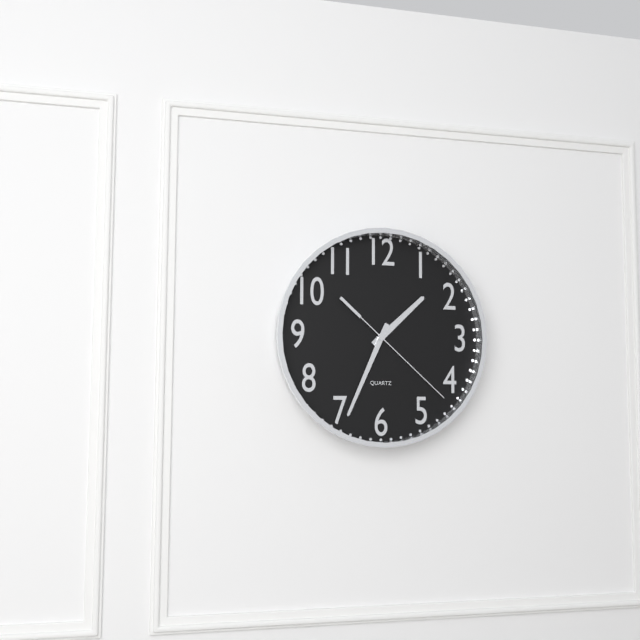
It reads 1,34,22
